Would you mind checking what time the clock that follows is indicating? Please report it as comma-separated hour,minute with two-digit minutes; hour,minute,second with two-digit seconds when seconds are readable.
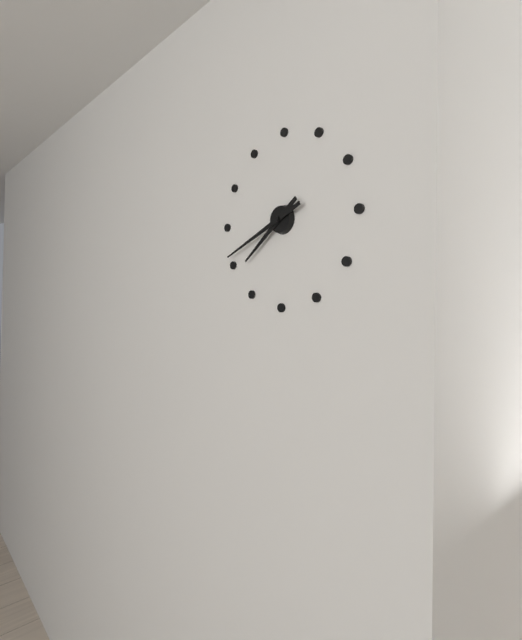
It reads 7,41
